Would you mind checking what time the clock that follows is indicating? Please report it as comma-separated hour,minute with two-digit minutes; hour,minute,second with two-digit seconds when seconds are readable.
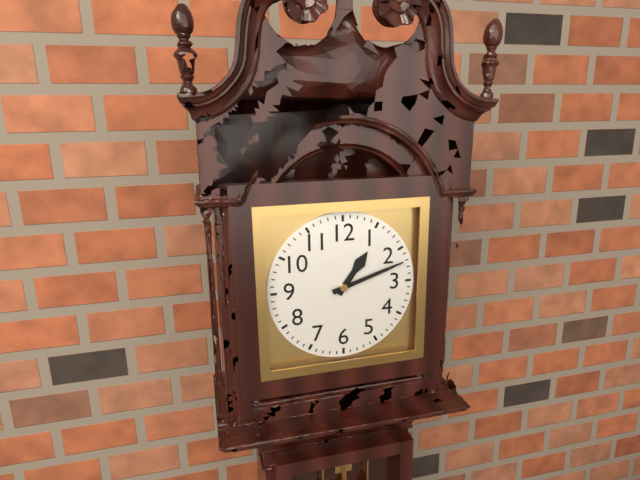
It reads 1,12
